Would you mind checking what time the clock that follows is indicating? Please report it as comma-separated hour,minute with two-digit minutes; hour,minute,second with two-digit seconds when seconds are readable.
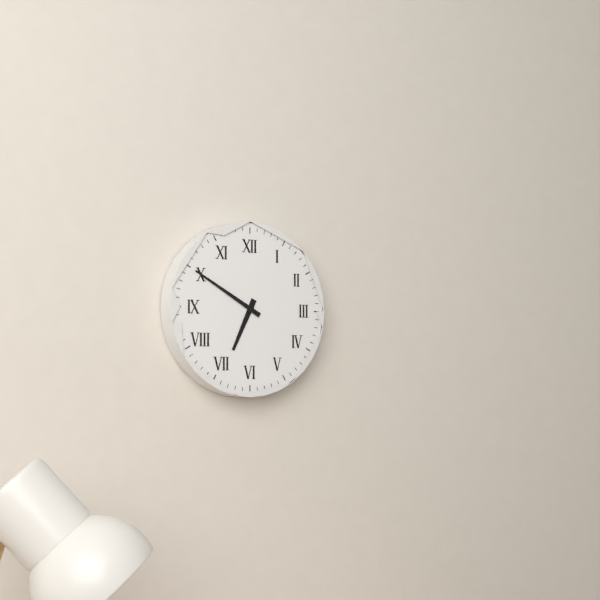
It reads 6,50
